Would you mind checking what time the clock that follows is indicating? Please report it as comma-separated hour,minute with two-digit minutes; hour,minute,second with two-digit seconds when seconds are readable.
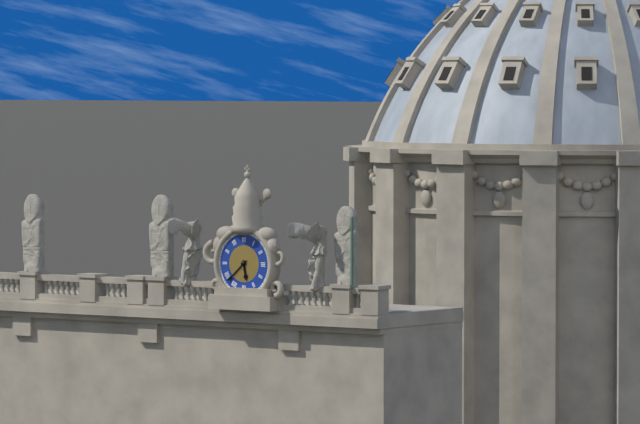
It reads 5,38
